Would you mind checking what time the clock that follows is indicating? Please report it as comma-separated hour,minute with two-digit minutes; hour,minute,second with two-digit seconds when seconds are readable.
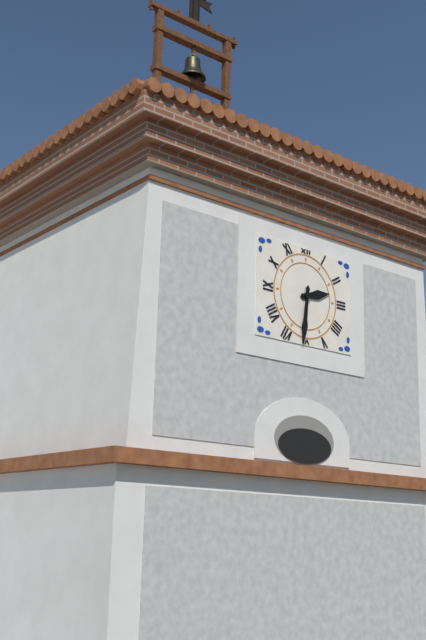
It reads 2,31
